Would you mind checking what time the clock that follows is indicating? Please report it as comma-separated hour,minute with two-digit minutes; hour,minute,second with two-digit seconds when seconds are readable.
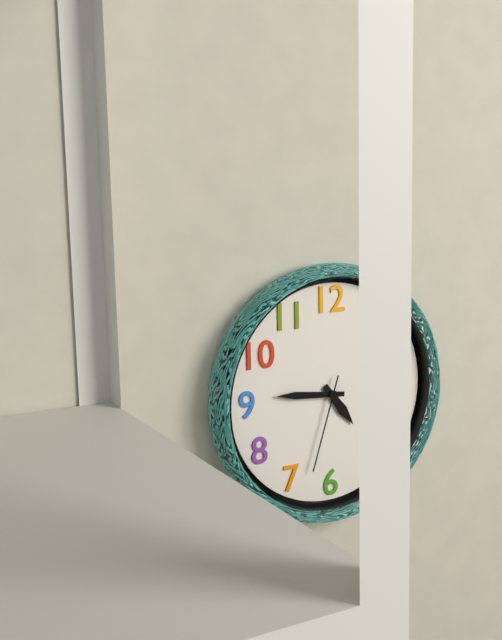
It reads 4,46,33
